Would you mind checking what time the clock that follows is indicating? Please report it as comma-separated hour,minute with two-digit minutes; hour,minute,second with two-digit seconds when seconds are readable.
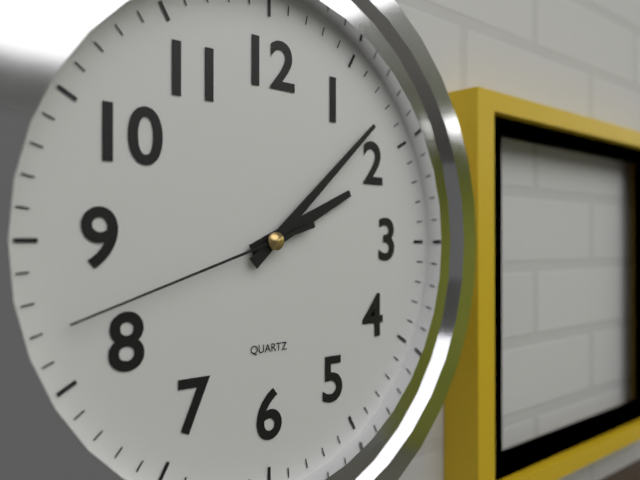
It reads 2,08,42
